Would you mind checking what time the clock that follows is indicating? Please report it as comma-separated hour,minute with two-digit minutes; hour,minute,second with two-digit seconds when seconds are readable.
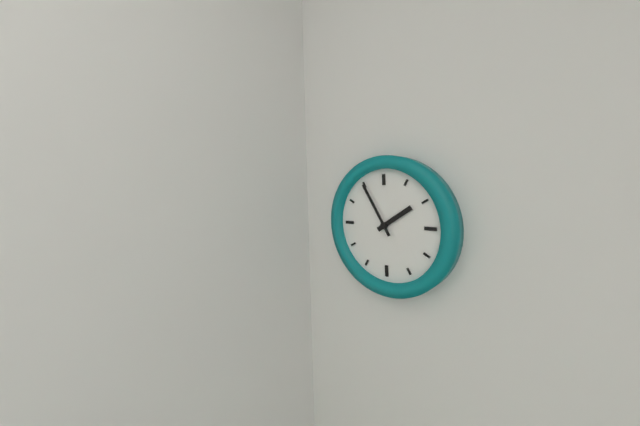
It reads 1,55
